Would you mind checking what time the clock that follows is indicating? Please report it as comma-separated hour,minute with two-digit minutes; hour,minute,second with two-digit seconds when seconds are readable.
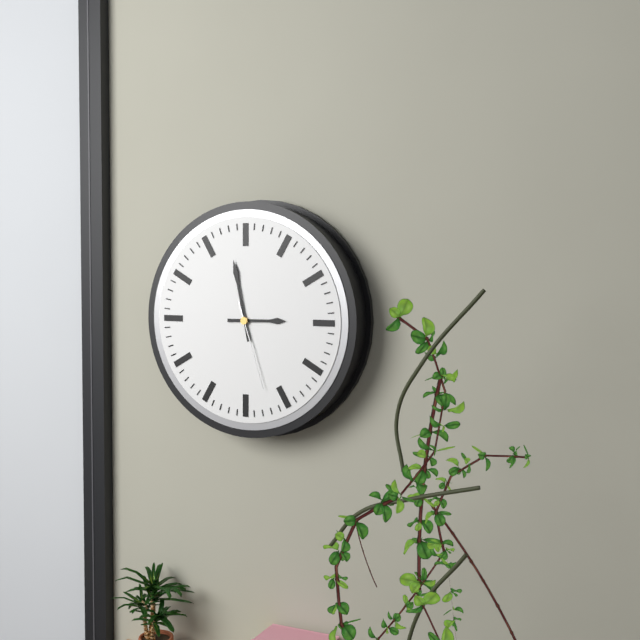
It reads 2,58,27
